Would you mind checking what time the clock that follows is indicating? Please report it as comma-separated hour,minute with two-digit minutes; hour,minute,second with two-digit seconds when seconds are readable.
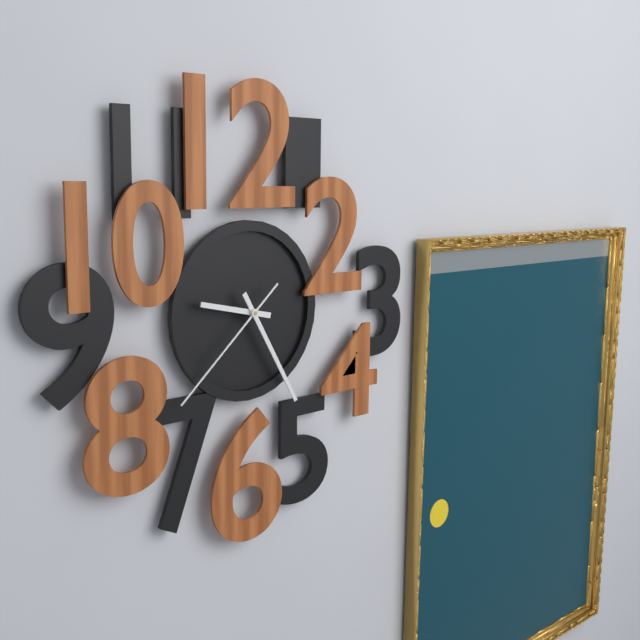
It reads 9,25,38
